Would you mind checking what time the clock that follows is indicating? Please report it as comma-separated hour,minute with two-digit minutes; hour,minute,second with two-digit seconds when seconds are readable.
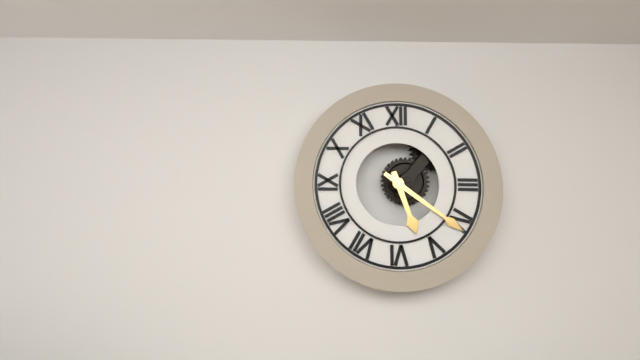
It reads 5,21
